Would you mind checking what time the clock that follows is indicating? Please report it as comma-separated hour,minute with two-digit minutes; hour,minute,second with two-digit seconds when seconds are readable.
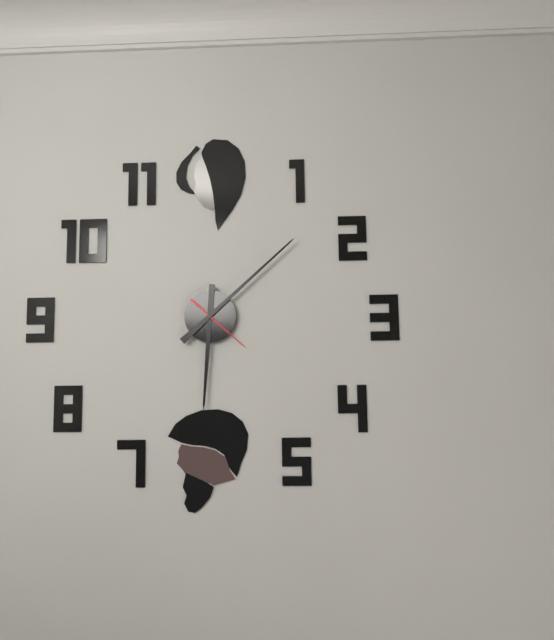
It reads 6,08,22
